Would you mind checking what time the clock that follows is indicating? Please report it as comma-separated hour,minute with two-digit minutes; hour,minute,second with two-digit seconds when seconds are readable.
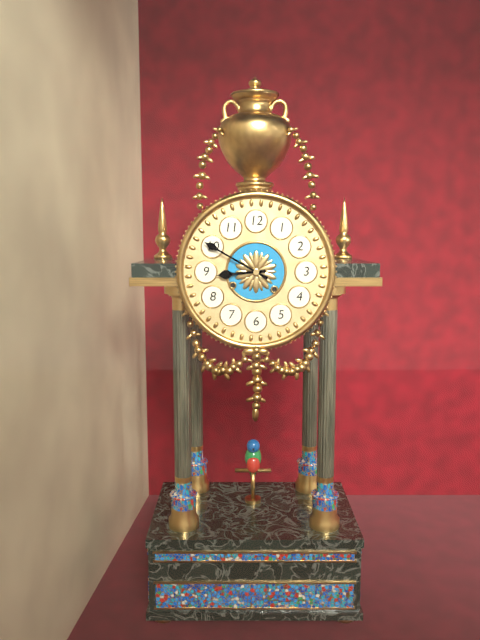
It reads 8,50
